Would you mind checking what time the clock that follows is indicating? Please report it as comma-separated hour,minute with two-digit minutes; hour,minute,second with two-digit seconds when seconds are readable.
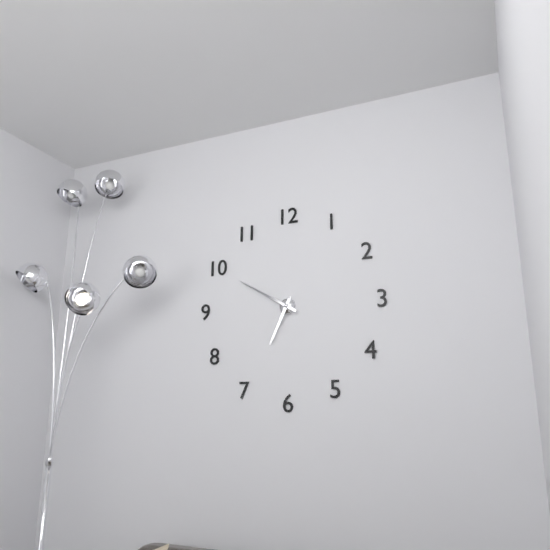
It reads 6,50
